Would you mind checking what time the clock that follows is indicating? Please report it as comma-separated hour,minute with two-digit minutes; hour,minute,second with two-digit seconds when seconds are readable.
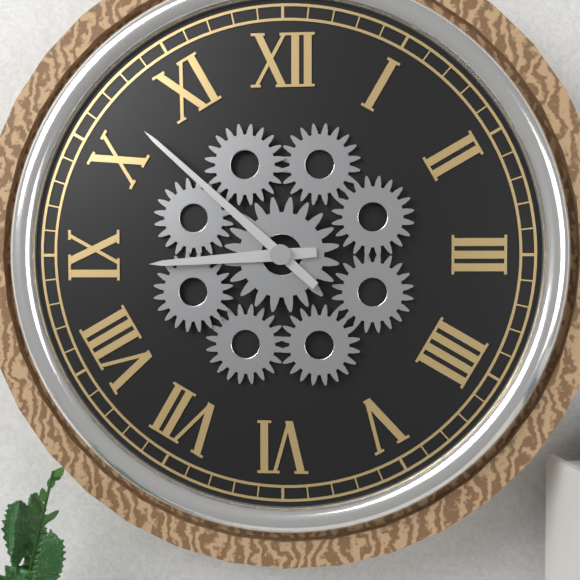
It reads 8,52
